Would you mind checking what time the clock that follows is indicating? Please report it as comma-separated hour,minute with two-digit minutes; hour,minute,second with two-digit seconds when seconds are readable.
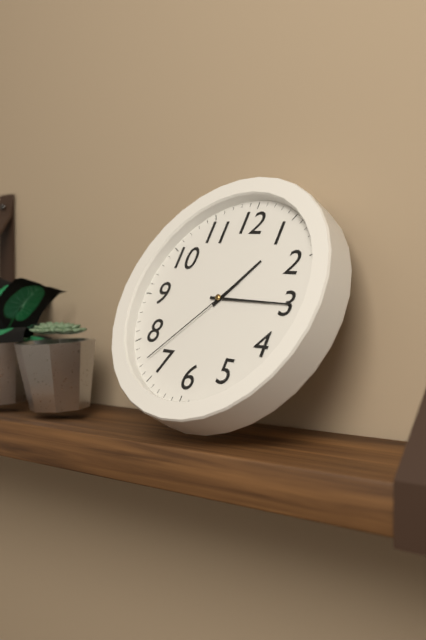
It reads 1,15,37
